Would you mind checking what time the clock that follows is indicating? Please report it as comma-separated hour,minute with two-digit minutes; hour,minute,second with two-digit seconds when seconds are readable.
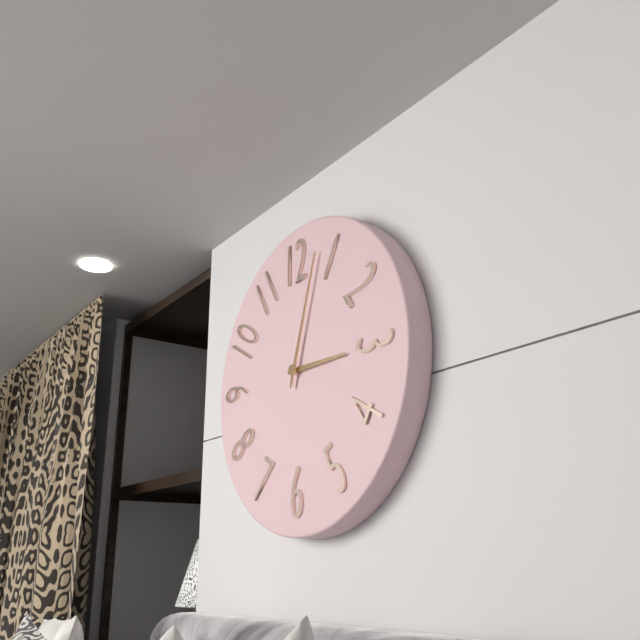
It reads 3,03
